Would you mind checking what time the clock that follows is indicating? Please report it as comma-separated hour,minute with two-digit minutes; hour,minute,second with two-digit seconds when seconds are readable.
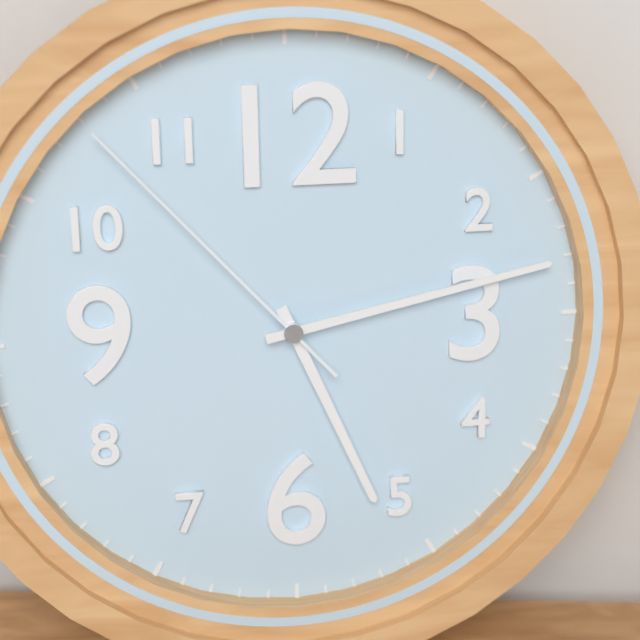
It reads 5,13,53
